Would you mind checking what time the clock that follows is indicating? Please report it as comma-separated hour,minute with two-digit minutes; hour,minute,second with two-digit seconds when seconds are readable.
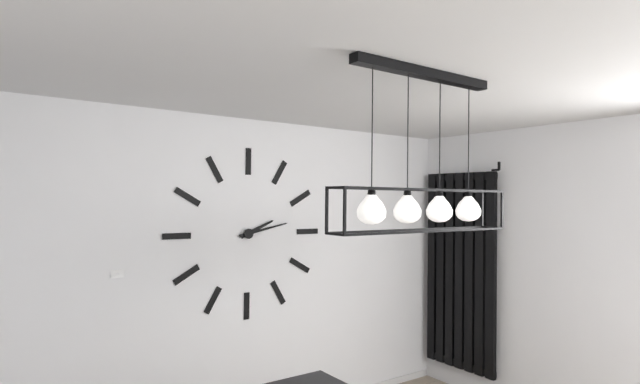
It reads 2,13
